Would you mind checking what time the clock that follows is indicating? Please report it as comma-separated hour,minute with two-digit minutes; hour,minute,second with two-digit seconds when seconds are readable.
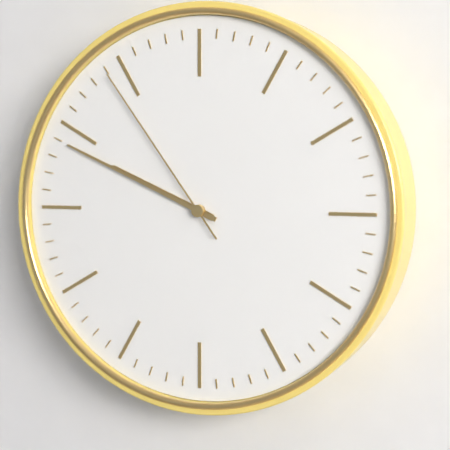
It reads 9,49,54
